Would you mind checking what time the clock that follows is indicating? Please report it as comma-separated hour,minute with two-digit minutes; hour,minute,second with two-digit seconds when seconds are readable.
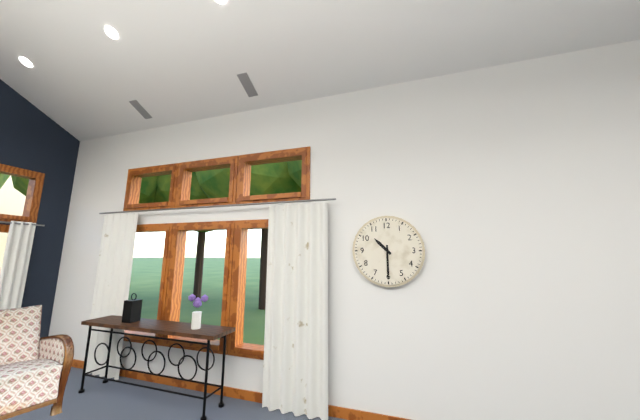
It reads 10,30
